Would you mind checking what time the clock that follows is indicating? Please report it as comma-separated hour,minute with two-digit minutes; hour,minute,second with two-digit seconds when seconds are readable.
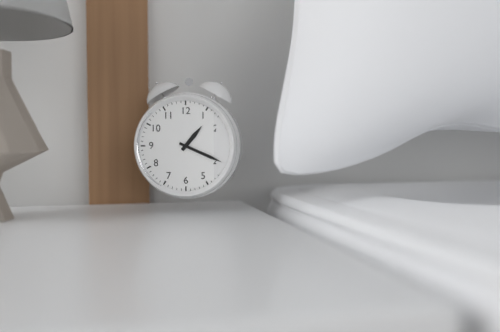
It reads 1,19
